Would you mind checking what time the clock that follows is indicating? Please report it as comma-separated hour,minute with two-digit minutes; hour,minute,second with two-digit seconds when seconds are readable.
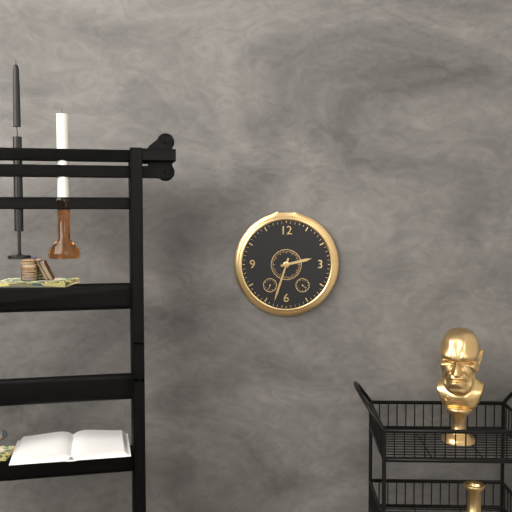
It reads 2,33
